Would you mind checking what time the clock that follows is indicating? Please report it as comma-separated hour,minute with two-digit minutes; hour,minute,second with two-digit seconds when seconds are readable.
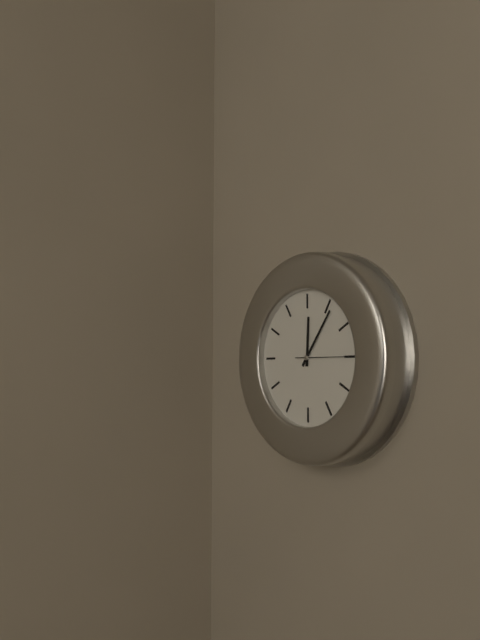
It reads 12,06,15
